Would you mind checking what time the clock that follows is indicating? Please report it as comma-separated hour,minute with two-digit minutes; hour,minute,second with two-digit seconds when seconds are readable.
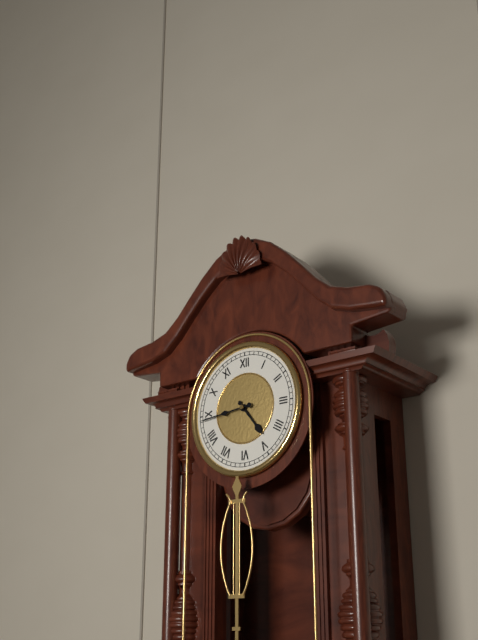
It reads 4,44
